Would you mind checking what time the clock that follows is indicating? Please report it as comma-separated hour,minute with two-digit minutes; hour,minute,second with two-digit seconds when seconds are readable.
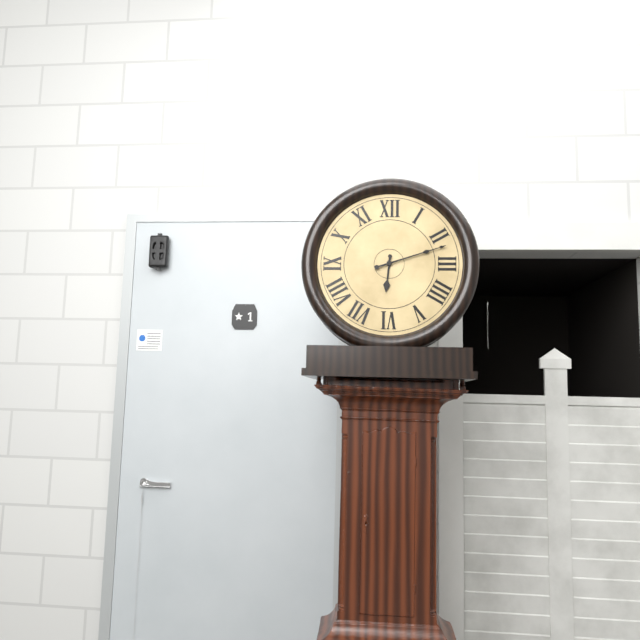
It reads 6,12
